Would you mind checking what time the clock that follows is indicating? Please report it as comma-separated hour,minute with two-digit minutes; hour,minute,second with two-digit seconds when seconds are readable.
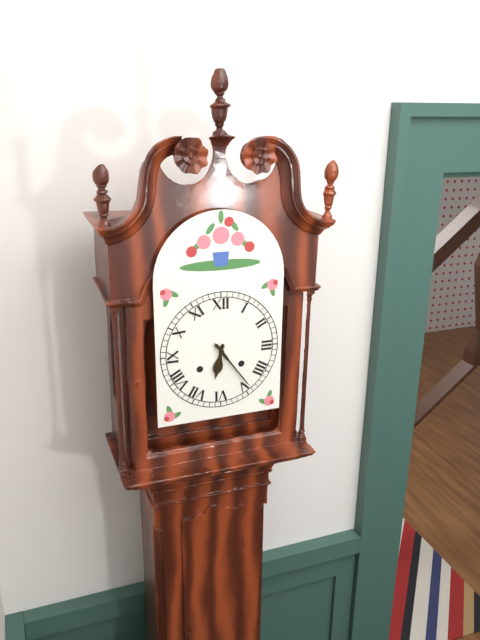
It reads 6,24
